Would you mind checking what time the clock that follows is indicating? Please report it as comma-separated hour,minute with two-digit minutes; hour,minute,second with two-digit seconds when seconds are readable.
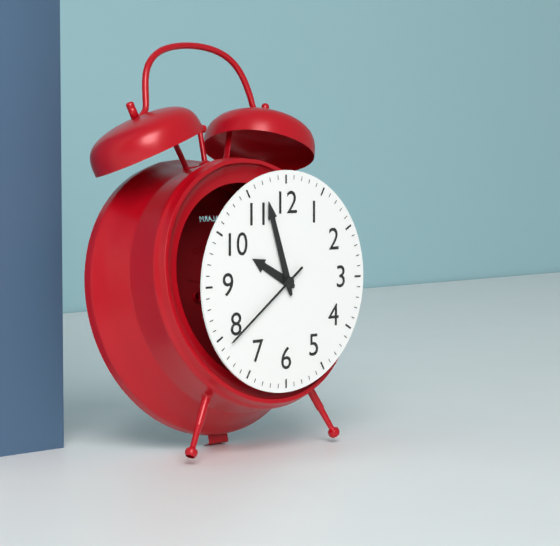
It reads 9,57,39
